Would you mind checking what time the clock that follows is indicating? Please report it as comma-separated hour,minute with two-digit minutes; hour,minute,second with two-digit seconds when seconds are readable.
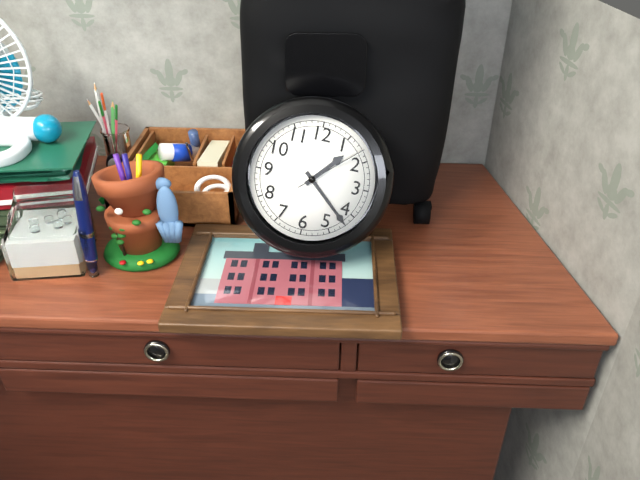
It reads 1,22,08
